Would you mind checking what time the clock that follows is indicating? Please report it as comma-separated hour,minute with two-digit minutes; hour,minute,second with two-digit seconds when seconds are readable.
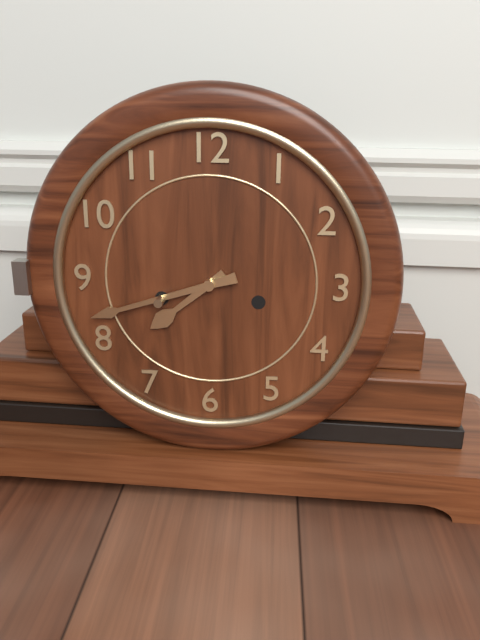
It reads 7,42
